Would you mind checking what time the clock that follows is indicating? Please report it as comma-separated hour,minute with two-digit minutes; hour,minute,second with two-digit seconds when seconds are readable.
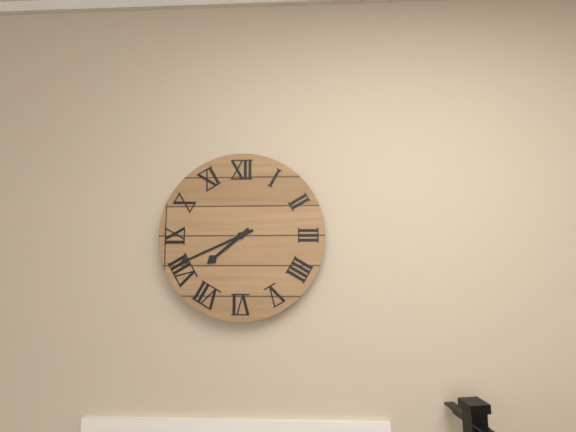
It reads 7,41
